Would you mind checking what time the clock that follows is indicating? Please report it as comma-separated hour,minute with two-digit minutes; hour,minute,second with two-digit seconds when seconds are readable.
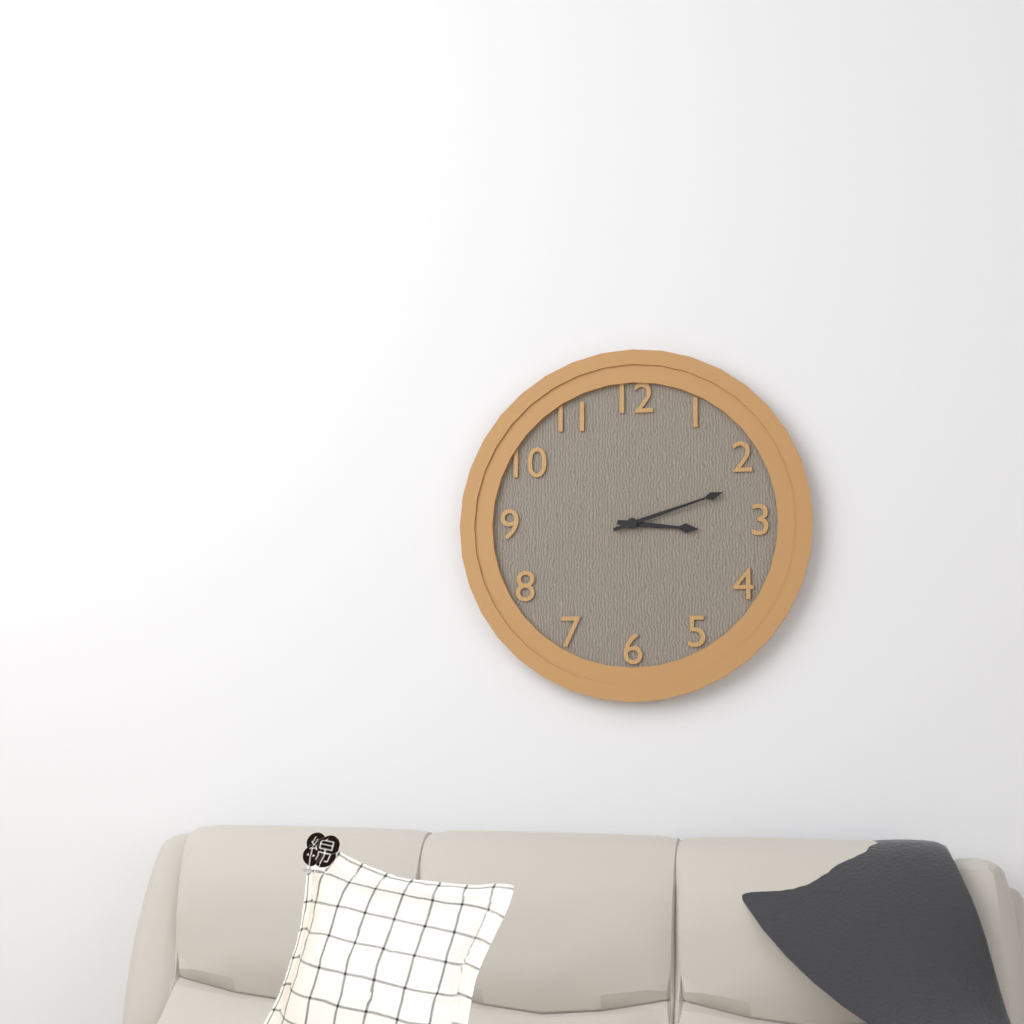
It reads 3,12
